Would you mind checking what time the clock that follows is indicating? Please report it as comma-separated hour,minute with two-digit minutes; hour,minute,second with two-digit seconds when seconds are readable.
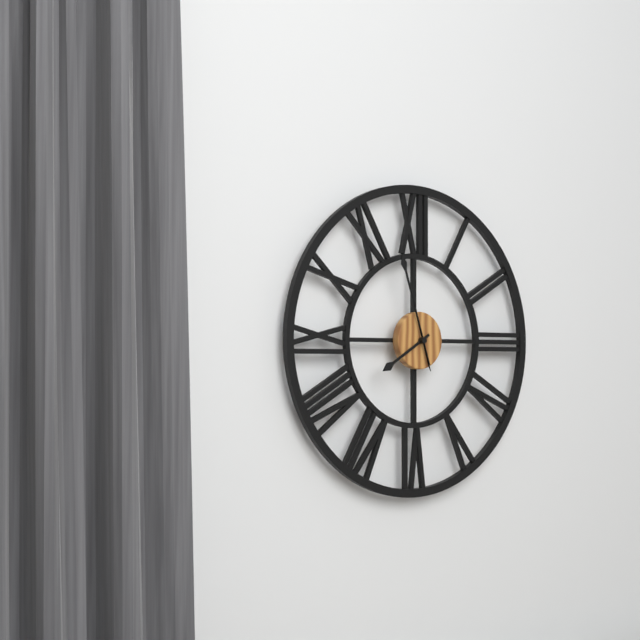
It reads 7,57
